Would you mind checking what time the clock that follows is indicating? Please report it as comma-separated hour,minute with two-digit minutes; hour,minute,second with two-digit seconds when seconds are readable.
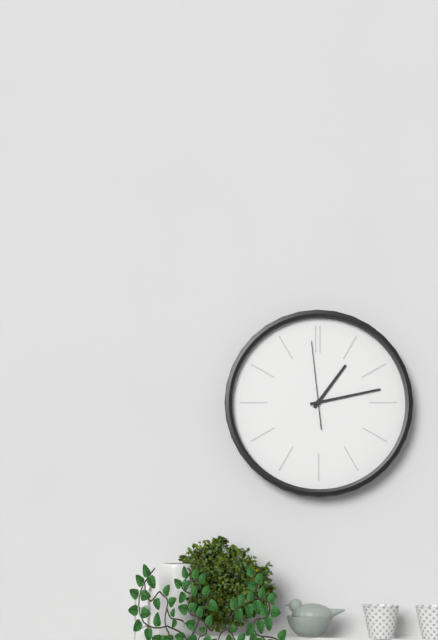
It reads 1,13,59
